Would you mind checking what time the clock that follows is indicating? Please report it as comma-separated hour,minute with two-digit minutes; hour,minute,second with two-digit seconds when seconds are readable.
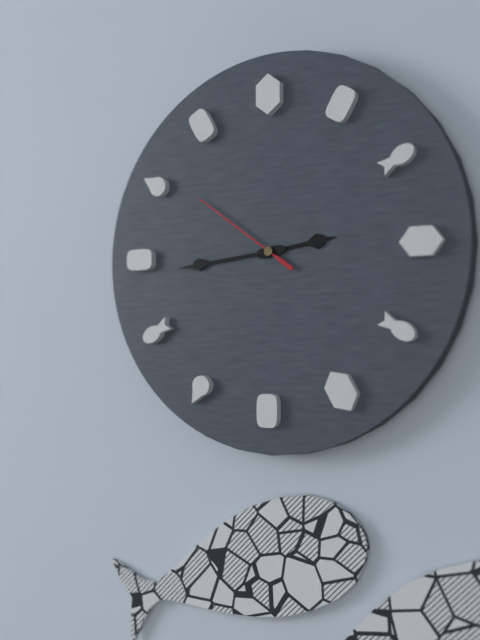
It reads 2,44,51
